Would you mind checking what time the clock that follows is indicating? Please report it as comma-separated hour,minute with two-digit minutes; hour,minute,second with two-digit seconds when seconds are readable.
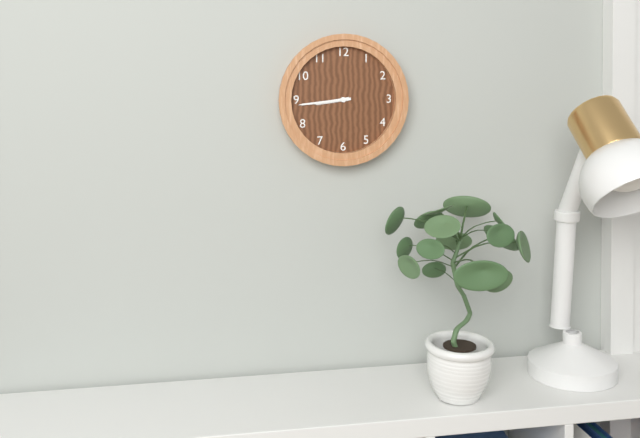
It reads 8,44
